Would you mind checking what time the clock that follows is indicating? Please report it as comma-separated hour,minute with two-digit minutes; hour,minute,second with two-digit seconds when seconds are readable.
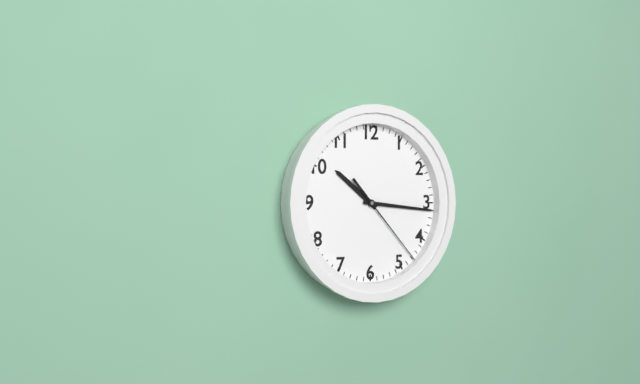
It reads 10,16,23
